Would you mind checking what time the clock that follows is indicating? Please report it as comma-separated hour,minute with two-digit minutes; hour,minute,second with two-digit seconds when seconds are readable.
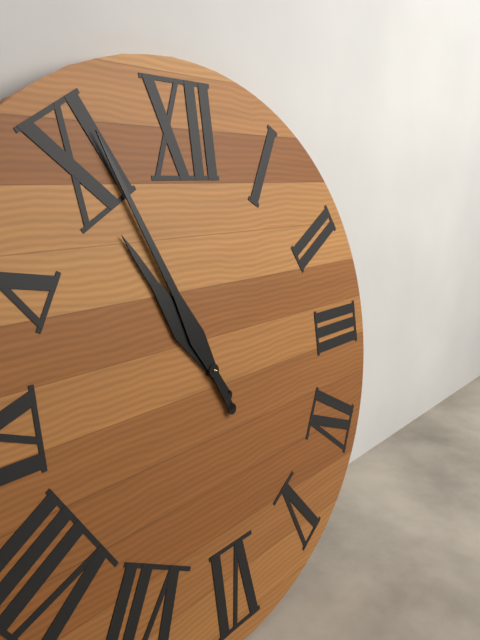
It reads 10,56
